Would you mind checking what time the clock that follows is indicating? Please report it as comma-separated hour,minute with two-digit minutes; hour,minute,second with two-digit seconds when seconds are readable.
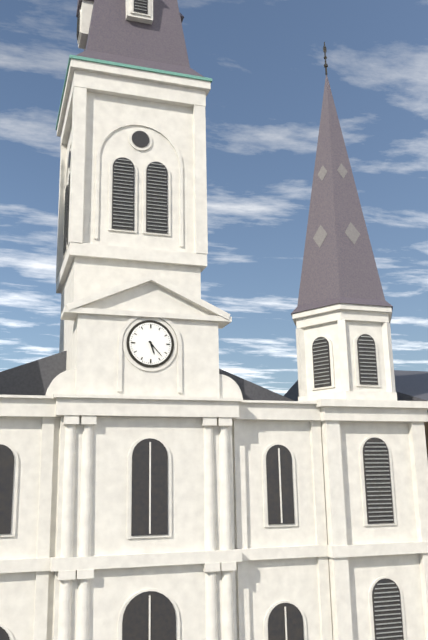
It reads 5,23
